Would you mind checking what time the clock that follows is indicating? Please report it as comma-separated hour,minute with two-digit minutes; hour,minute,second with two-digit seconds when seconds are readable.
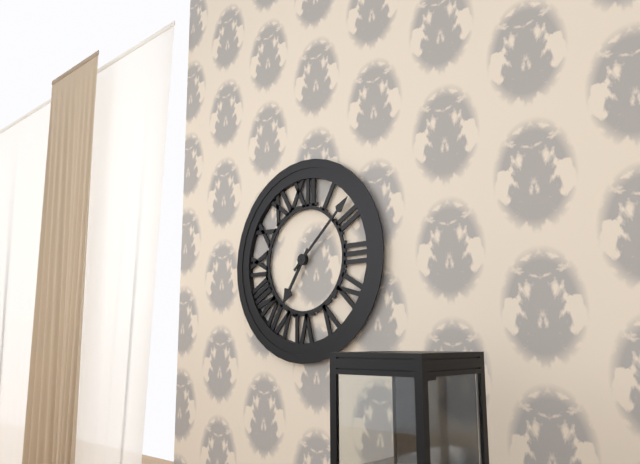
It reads 7,08
